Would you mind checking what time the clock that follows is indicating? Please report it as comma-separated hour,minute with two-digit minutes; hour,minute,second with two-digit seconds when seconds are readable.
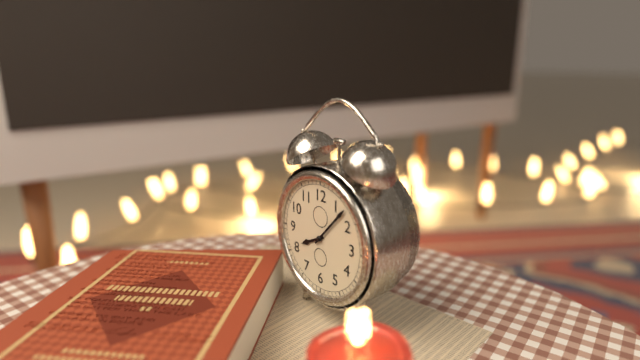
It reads 8,07
